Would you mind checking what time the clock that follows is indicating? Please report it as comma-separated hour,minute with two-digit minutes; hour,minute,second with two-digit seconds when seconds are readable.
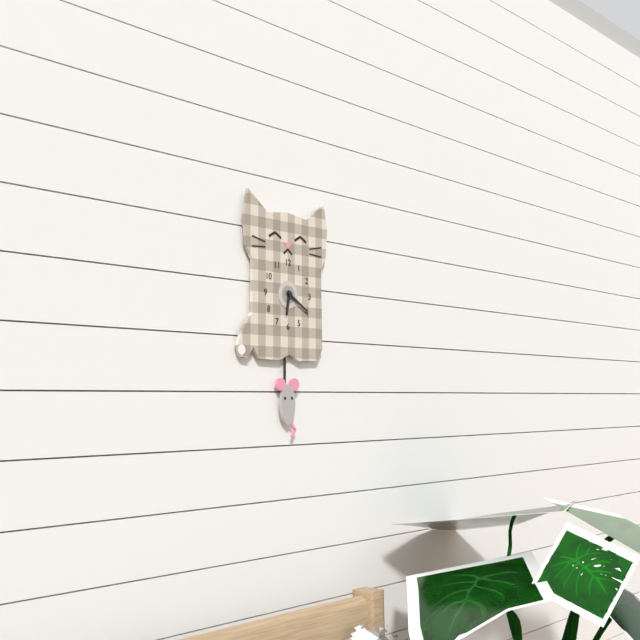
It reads 6,20
